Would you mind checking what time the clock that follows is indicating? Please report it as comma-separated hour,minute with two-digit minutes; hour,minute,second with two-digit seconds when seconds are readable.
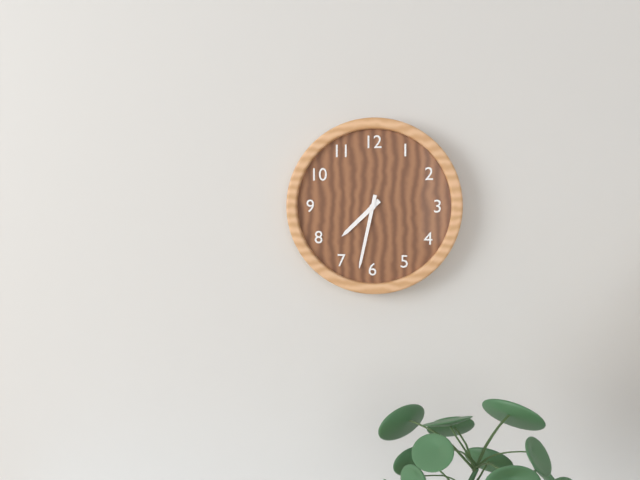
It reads 7,32
